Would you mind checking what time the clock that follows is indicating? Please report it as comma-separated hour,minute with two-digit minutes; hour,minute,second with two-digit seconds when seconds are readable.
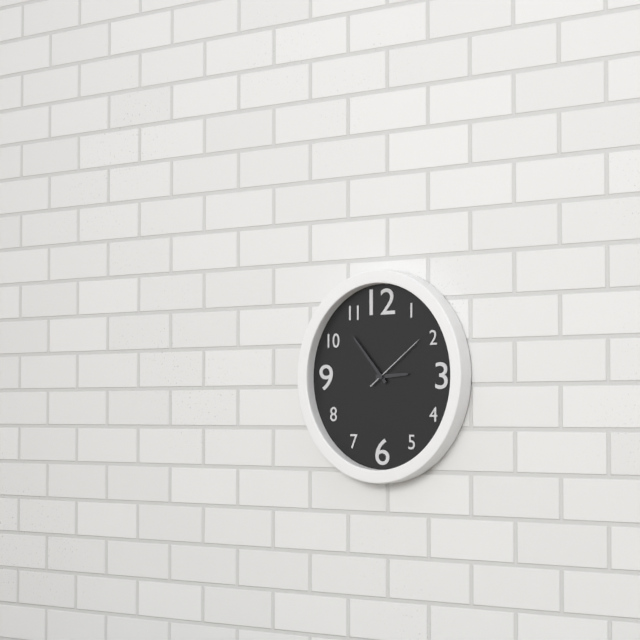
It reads 2,53,09
